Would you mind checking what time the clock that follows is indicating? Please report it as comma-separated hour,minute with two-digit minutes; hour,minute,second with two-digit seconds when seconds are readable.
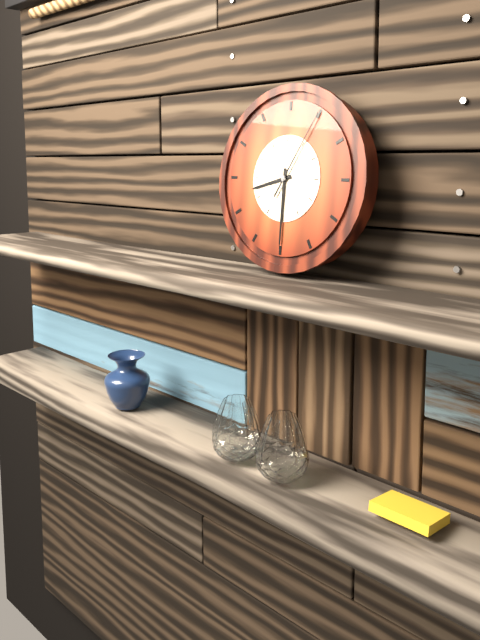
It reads 8,30,05
